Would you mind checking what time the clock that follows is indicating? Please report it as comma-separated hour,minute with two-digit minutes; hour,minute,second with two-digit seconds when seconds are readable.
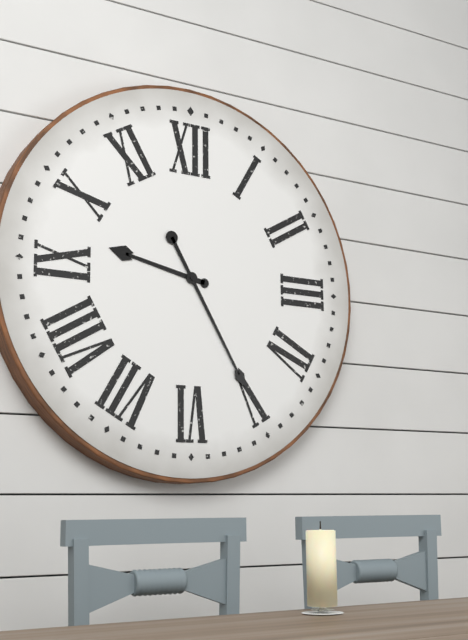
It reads 9,25
